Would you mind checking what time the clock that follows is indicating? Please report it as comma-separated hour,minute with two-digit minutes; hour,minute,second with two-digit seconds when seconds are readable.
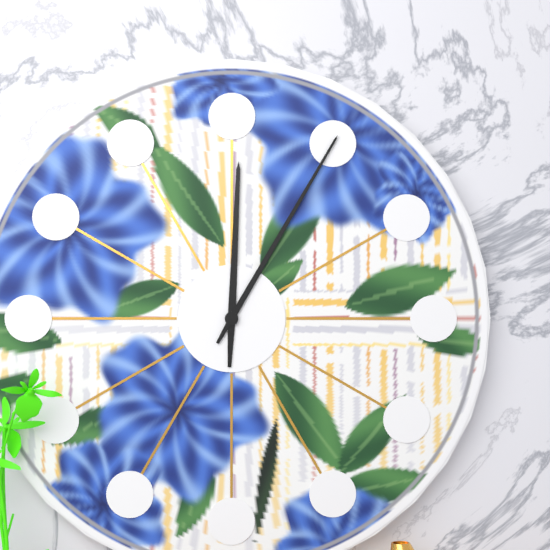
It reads 12,05
